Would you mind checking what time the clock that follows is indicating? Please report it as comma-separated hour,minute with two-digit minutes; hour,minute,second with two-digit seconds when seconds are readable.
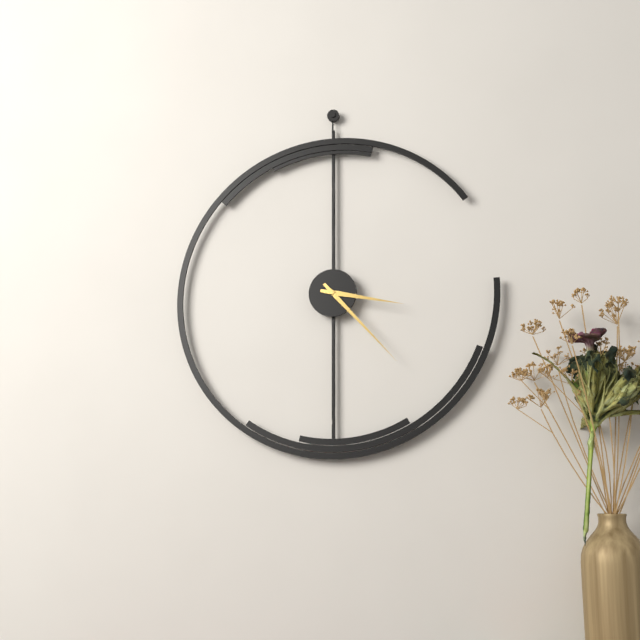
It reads 3,23
